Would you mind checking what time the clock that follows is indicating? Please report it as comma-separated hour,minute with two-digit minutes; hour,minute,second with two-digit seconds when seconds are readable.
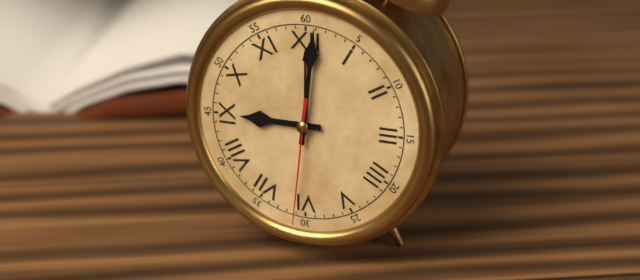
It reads 9,01,31
